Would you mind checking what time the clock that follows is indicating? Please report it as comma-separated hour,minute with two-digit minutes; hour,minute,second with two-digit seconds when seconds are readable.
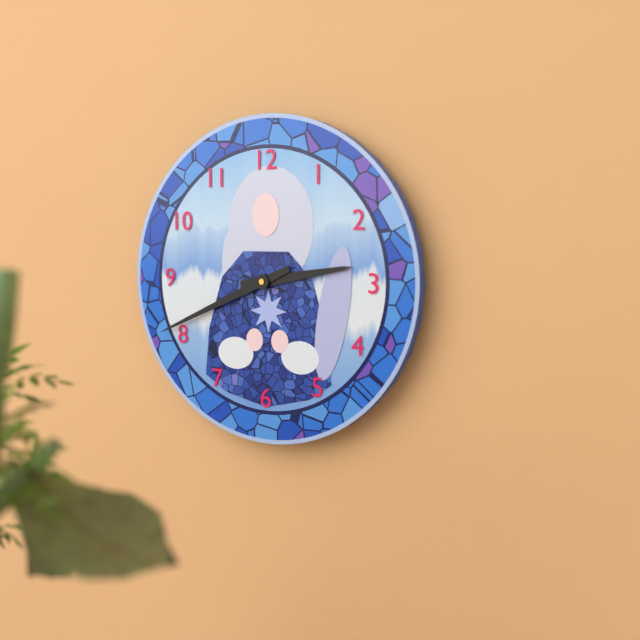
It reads 2,41
